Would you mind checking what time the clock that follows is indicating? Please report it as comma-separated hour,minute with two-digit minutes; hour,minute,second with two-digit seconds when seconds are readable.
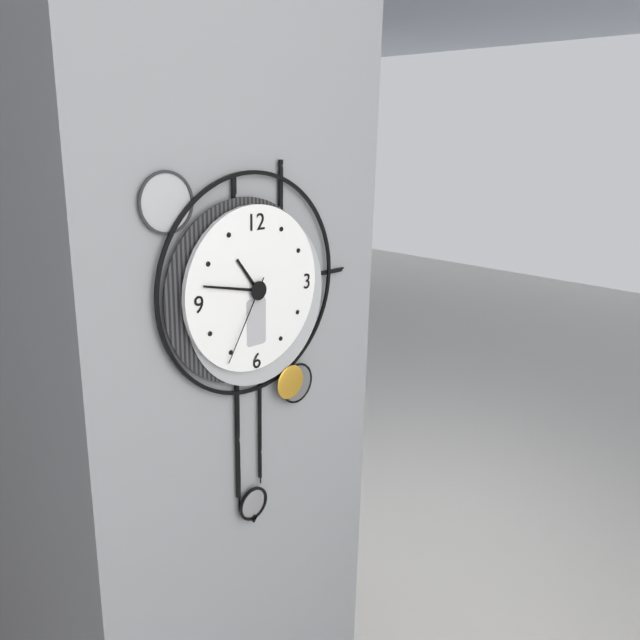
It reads 10,47,35
